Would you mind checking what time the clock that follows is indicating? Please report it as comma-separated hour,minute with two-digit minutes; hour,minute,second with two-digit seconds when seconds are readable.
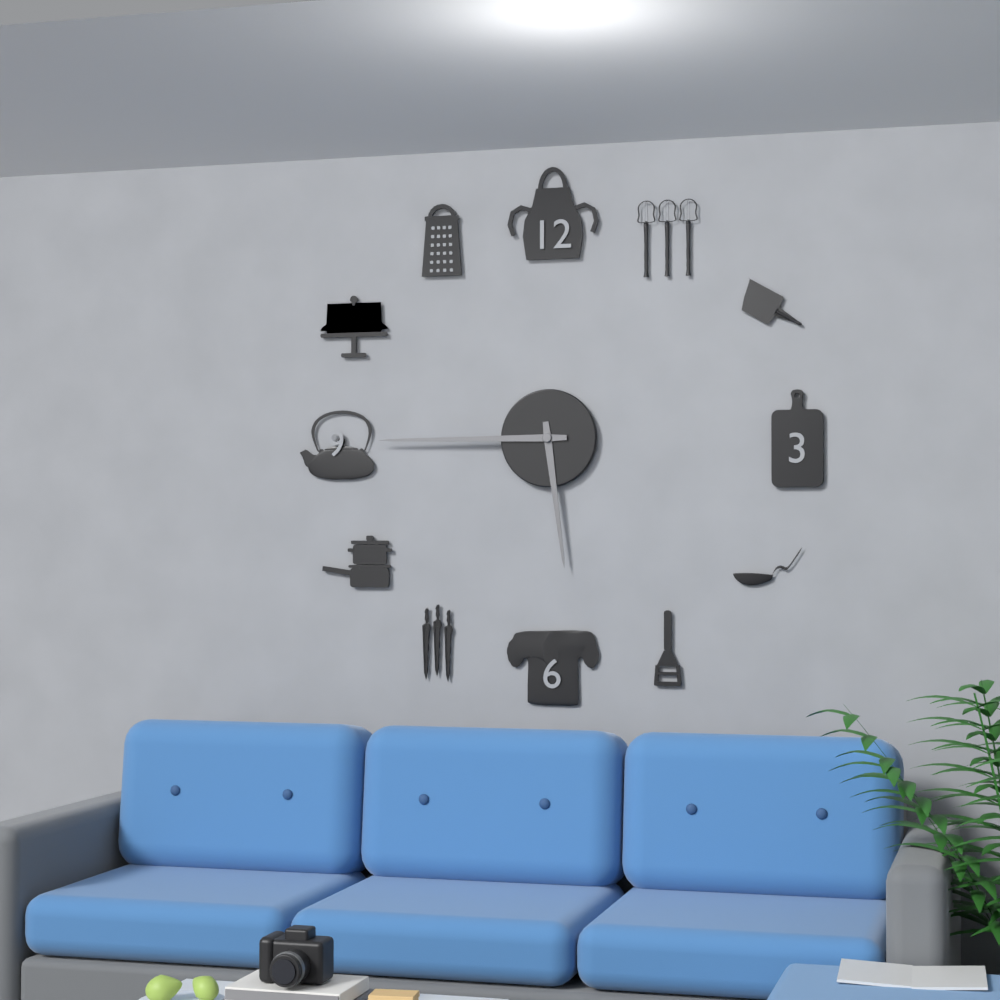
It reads 5,45
